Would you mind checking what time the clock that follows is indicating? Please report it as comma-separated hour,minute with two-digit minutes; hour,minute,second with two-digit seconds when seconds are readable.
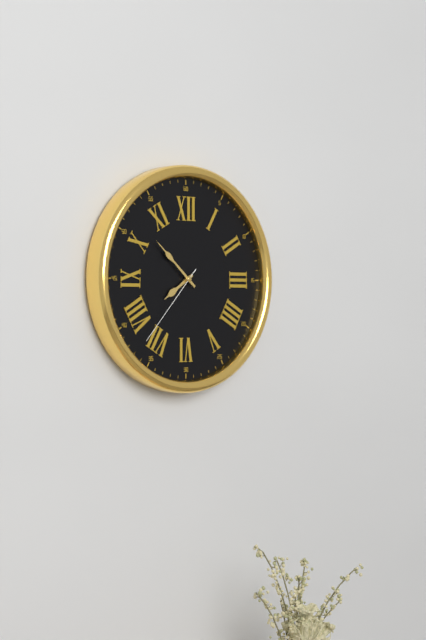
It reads 7,52,37
